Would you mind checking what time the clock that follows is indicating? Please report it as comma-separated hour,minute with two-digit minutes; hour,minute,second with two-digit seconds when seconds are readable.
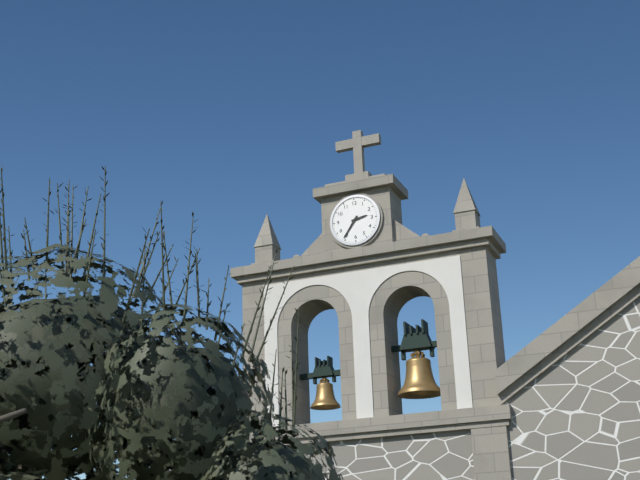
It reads 2,36
